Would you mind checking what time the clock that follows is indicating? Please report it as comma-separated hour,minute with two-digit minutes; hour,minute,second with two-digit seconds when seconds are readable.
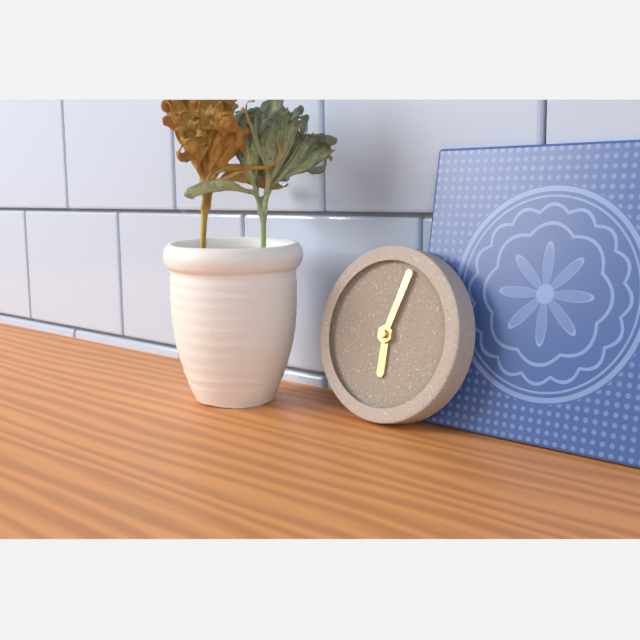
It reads 6,03
